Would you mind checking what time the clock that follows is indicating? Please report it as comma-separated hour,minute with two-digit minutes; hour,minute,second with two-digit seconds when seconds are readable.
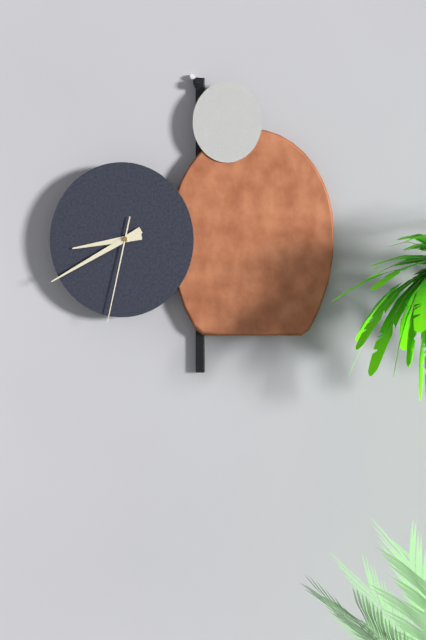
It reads 8,40,32
